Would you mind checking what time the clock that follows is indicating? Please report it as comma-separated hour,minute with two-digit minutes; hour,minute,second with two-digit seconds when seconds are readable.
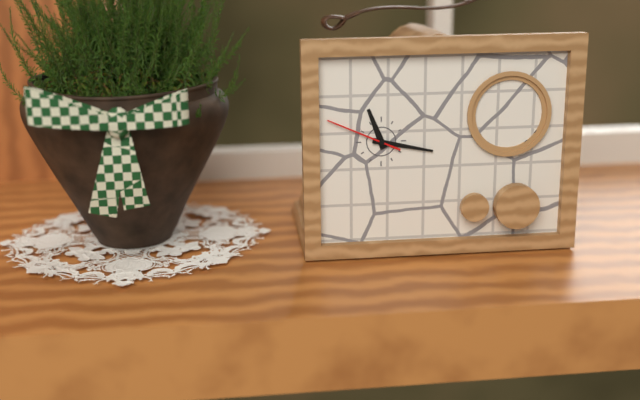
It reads 11,17,49
